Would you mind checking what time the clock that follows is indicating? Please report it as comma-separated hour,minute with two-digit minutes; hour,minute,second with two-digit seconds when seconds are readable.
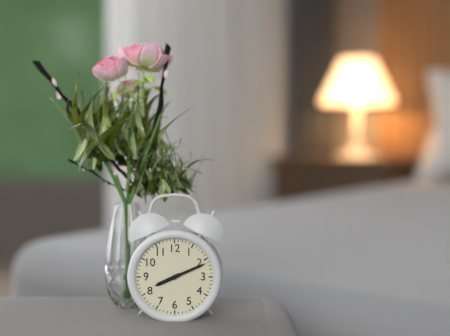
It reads 8,11
